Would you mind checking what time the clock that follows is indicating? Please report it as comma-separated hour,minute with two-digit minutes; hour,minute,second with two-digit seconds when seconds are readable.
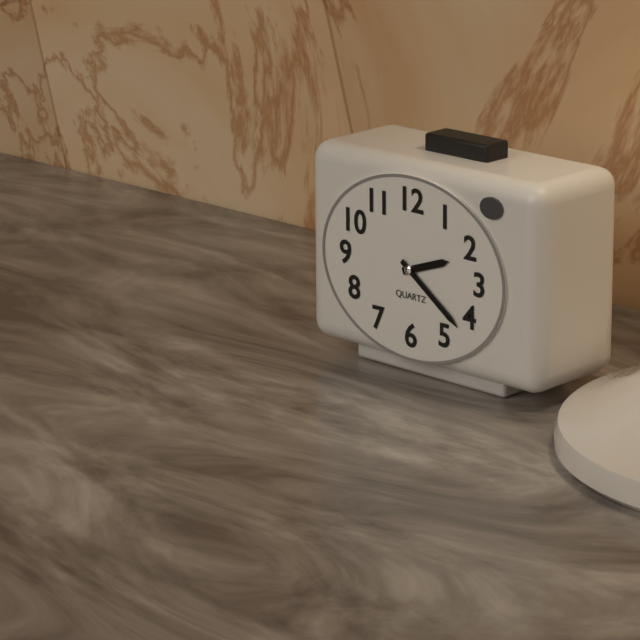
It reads 2,21
